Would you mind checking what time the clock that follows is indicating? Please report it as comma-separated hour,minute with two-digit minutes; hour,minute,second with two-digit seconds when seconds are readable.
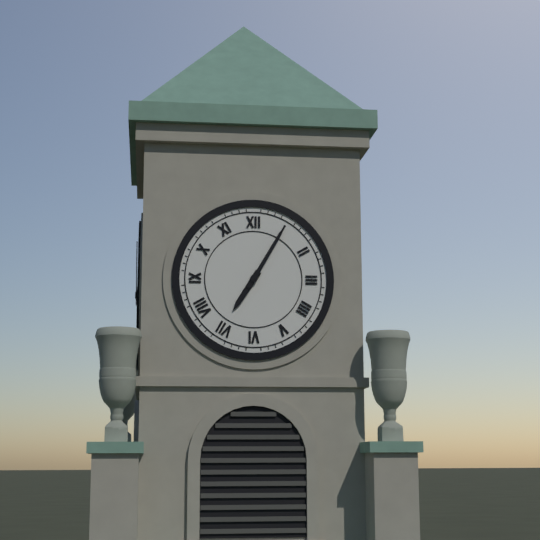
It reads 7,05
